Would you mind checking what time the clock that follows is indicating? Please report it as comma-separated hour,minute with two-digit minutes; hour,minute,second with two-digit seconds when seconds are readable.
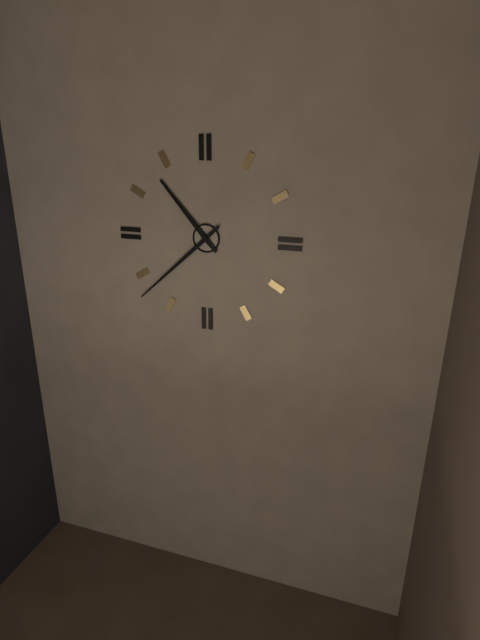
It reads 10,38
